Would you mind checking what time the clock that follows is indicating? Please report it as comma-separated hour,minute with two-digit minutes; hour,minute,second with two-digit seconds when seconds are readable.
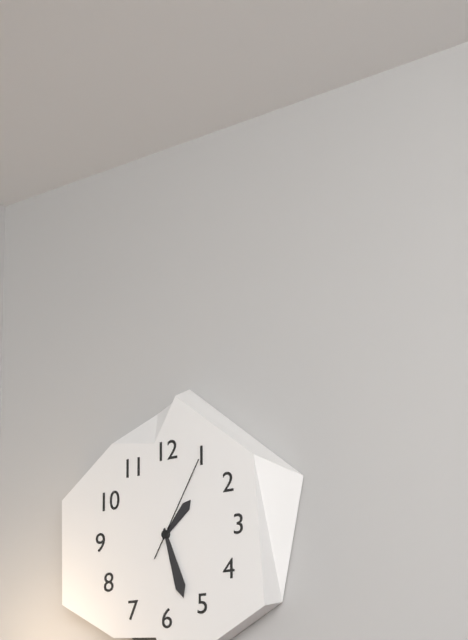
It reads 1,27,05
